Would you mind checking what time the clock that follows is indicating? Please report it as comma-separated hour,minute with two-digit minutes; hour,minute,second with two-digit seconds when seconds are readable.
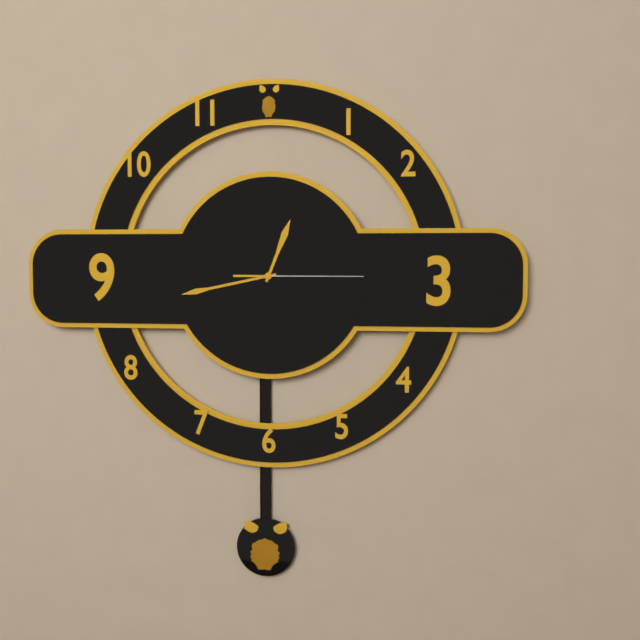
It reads 12,43,15
